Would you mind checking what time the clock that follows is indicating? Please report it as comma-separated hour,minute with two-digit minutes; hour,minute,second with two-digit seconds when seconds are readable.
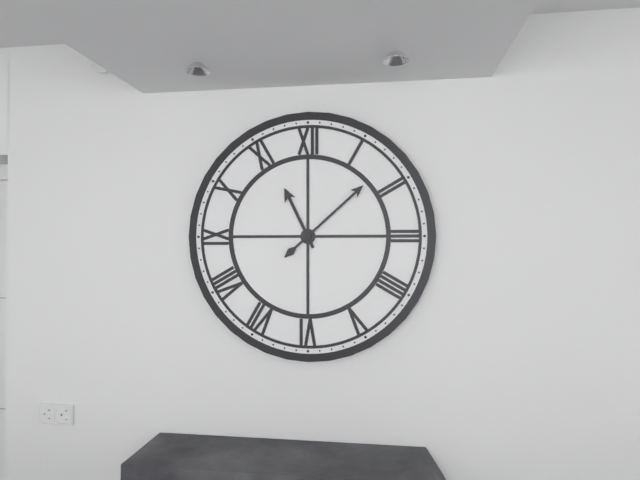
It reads 11,08
